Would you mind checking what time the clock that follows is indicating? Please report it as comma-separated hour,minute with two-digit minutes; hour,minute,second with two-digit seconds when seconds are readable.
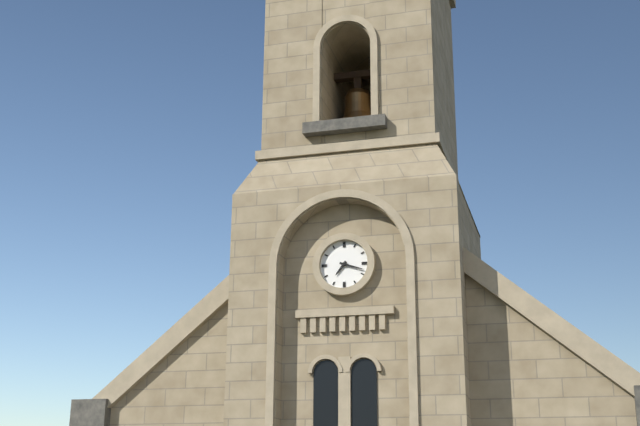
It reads 7,18
